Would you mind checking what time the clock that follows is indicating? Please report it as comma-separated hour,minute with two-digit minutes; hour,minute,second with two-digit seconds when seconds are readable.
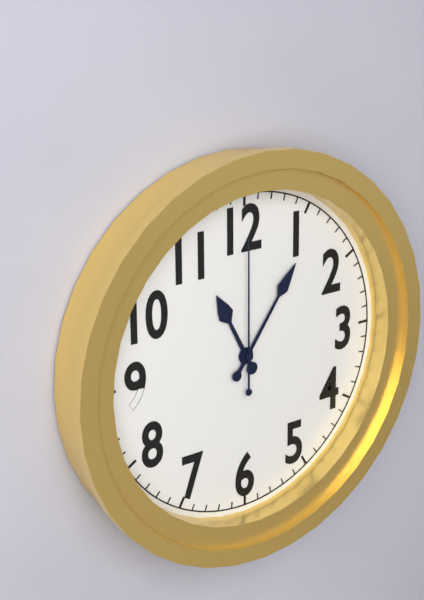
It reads 11,06,00
